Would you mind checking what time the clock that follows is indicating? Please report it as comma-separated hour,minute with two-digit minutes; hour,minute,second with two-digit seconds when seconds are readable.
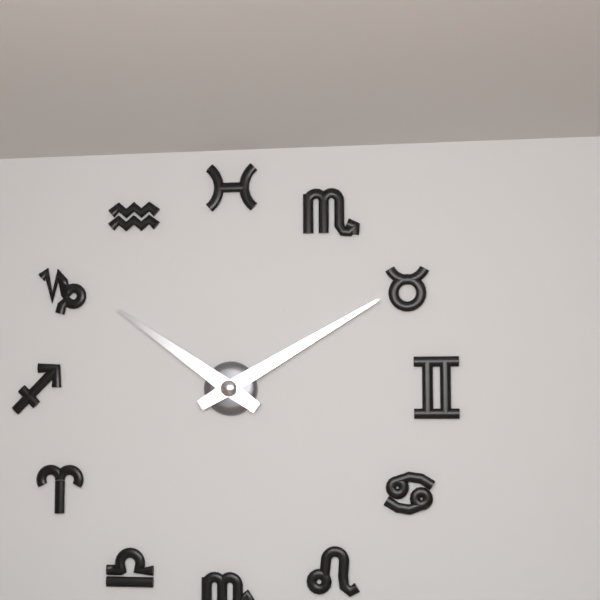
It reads 10,10
